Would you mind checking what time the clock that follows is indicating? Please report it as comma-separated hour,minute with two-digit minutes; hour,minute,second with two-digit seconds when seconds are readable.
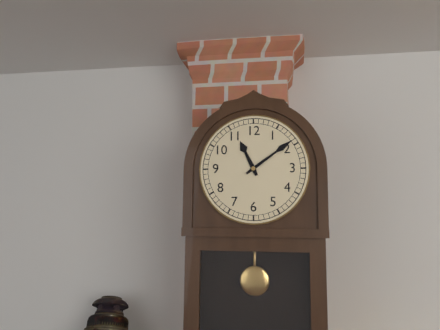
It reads 11,09
